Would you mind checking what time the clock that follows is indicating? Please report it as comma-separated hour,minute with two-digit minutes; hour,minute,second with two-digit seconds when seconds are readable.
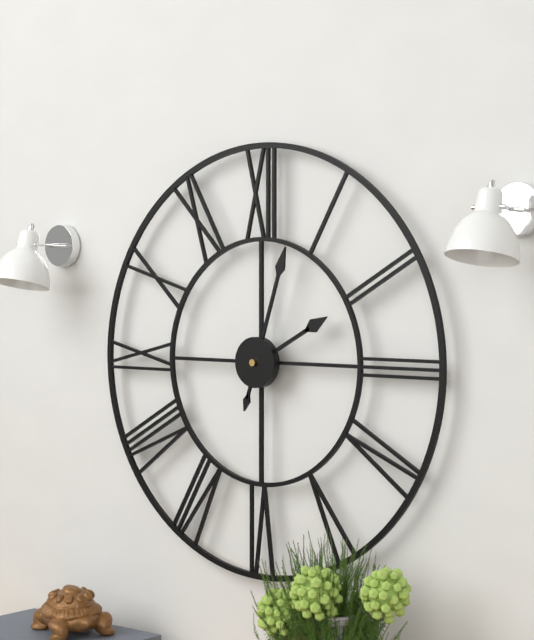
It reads 2,03
